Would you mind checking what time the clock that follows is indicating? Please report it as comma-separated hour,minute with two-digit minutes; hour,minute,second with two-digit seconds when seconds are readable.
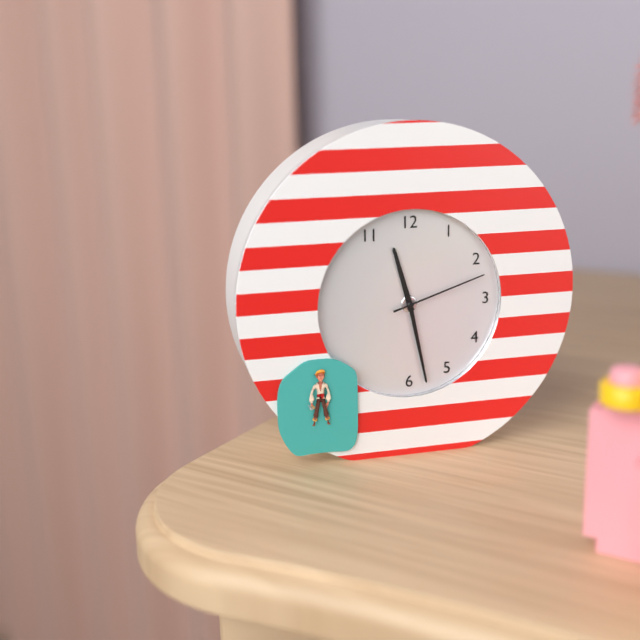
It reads 11,28,12
